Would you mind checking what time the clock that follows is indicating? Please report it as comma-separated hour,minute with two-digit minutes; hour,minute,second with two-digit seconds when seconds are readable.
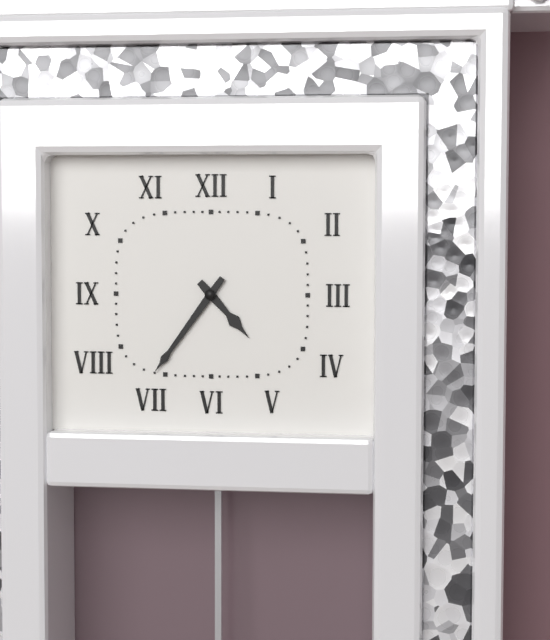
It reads 4,36
